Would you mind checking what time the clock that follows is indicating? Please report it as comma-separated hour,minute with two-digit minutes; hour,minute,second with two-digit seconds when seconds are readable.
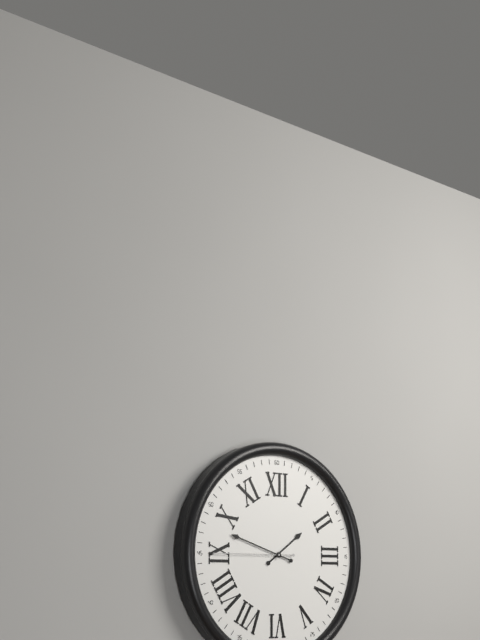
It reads 1,48,45
